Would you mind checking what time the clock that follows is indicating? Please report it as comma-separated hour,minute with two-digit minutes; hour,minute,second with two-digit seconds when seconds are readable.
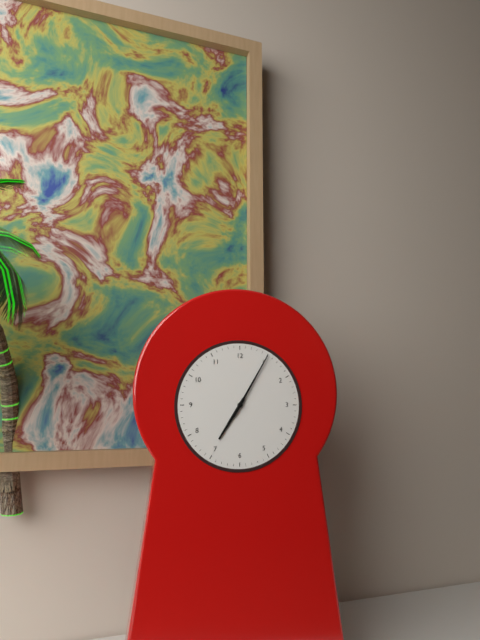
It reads 7,05
